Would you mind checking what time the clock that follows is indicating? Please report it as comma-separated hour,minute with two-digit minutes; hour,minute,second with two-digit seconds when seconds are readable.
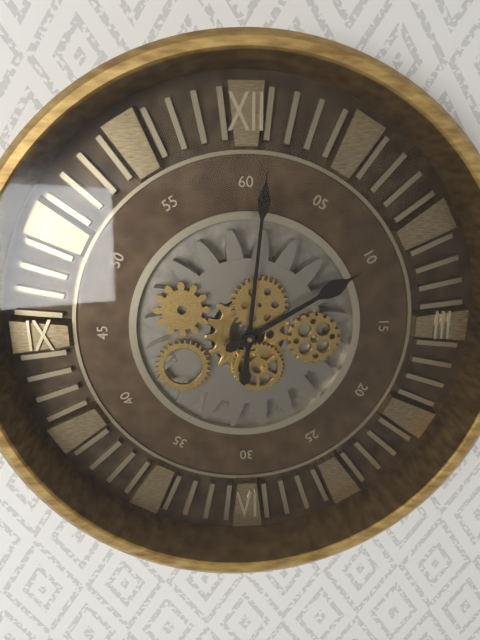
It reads 2,01
